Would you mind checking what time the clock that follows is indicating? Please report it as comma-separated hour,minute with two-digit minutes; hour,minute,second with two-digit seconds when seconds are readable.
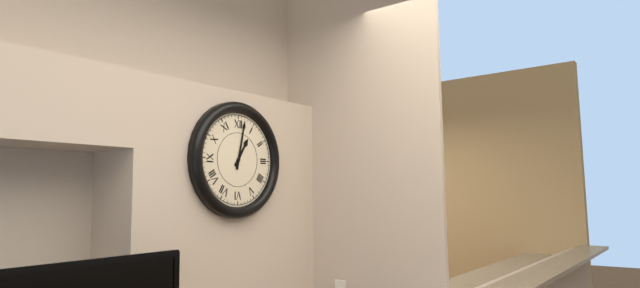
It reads 1,02
